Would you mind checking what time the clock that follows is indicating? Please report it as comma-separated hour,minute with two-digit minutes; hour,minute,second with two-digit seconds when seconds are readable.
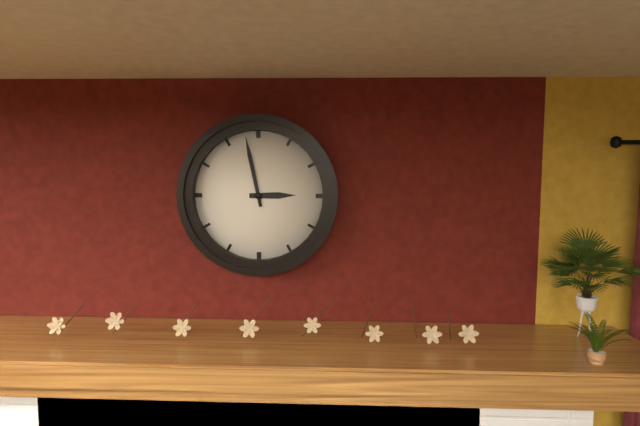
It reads 2,58
